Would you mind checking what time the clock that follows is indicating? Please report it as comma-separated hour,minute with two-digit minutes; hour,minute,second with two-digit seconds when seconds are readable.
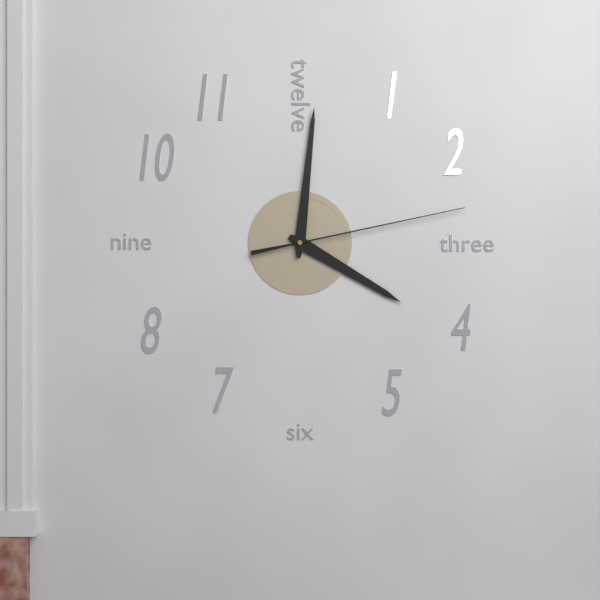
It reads 4,01,13
